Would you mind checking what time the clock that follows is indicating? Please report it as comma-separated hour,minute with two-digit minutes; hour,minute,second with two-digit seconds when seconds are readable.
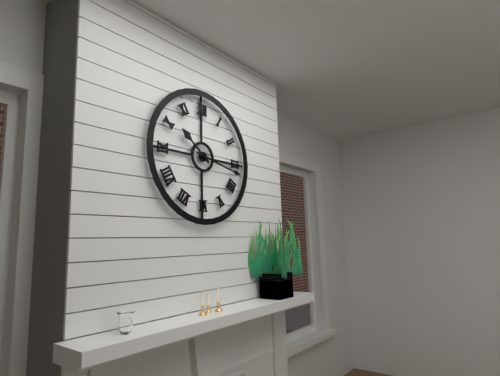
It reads 10,17
